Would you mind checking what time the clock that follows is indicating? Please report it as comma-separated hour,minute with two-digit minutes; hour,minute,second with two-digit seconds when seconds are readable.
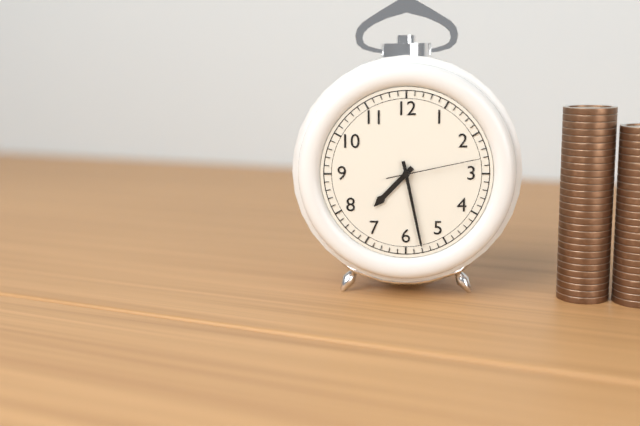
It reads 7,28,13
